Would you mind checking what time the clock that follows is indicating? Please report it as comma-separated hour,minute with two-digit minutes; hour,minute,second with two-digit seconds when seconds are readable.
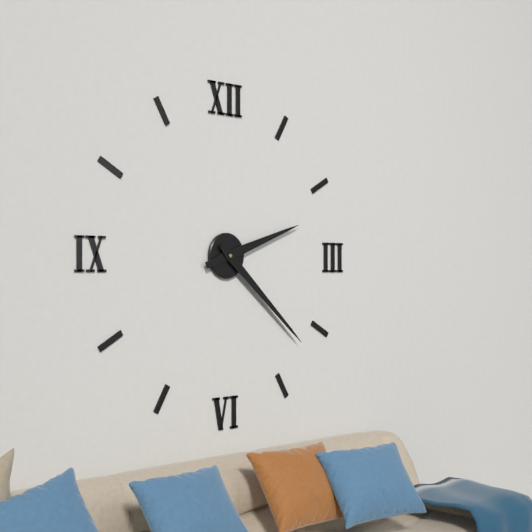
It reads 2,22
